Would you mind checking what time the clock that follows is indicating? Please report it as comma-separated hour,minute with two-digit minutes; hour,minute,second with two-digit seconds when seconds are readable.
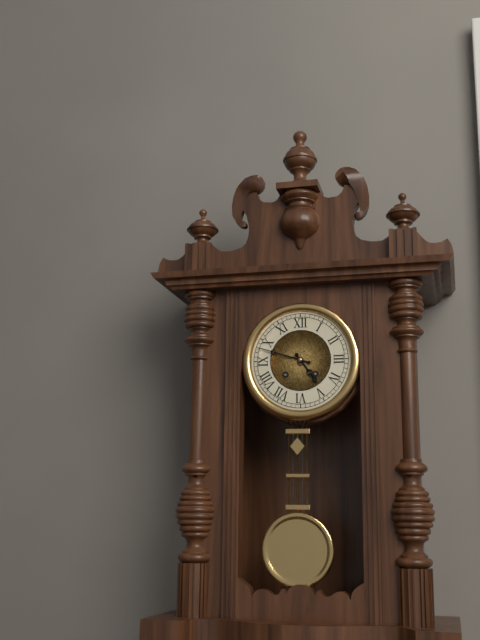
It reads 4,48
